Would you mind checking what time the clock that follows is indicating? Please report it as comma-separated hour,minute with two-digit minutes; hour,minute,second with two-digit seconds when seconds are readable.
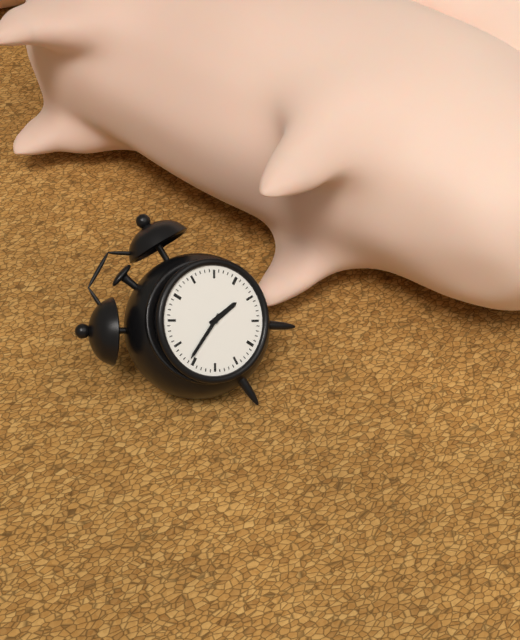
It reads 3,46
